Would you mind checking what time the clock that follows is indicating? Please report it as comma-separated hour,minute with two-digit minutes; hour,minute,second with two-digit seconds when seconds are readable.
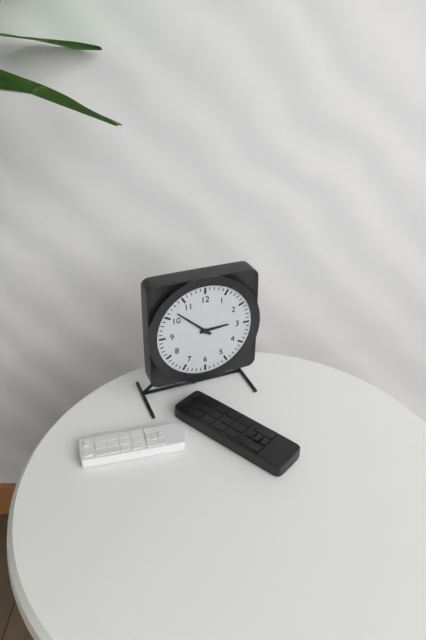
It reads 2,52
